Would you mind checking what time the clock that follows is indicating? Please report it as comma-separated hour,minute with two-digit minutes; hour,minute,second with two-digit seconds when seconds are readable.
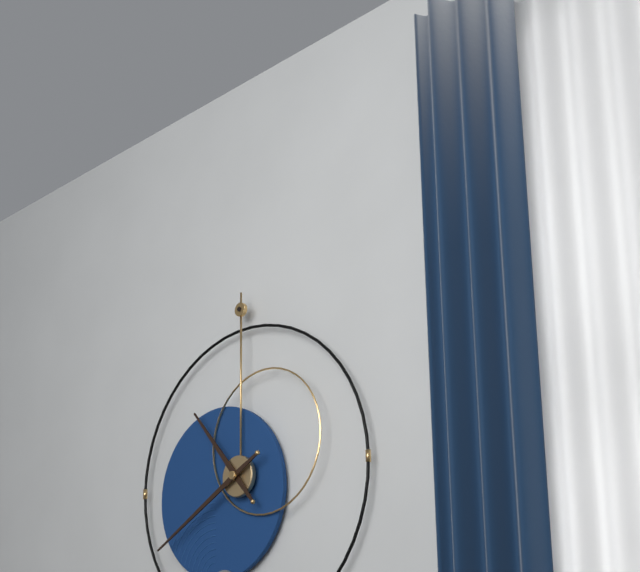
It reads 10,40
